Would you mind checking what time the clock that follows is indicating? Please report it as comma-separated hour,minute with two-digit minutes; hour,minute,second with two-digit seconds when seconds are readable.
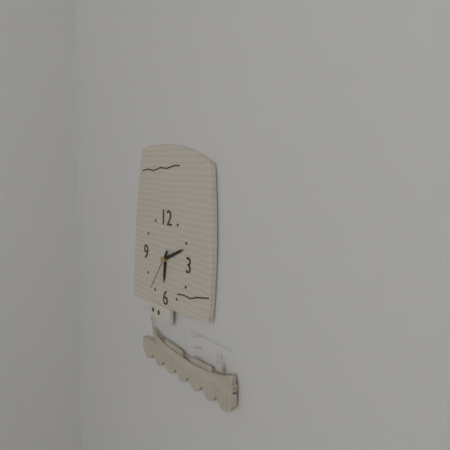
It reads 6,11
